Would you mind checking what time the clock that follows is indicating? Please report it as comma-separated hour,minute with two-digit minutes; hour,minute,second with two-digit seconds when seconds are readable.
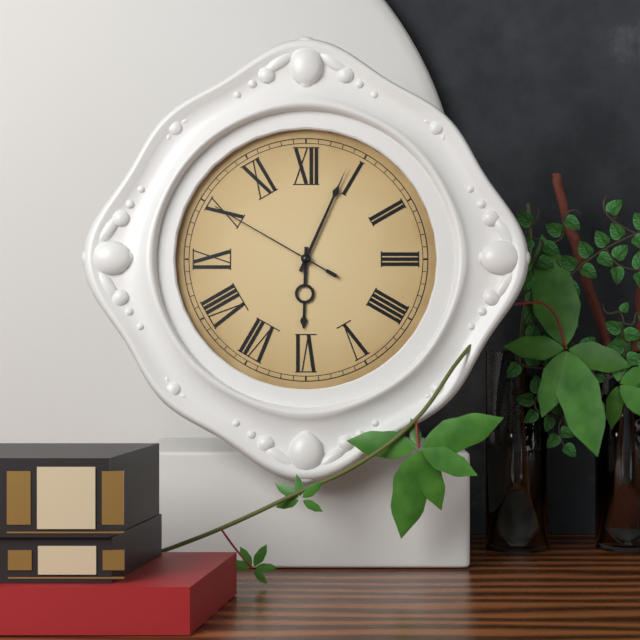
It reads 6,04,50
